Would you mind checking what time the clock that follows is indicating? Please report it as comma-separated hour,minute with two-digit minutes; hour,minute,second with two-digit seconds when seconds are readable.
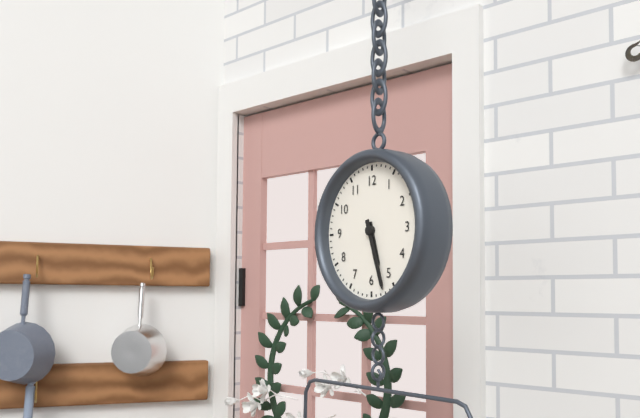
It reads 5,27
